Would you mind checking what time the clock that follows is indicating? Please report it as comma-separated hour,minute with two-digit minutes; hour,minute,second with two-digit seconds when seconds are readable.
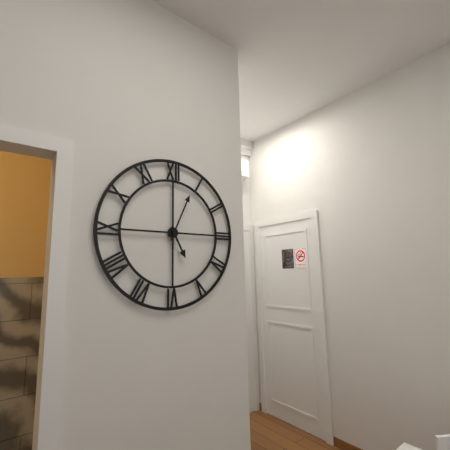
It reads 5,04
